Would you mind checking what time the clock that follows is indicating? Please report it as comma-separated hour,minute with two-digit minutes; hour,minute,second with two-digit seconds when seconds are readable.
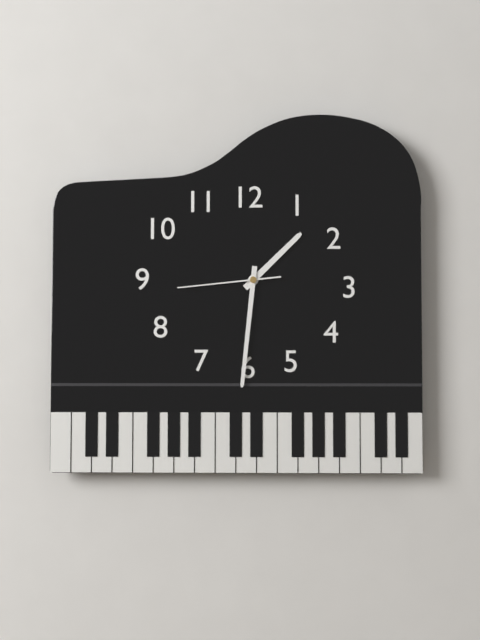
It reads 1,31,44
